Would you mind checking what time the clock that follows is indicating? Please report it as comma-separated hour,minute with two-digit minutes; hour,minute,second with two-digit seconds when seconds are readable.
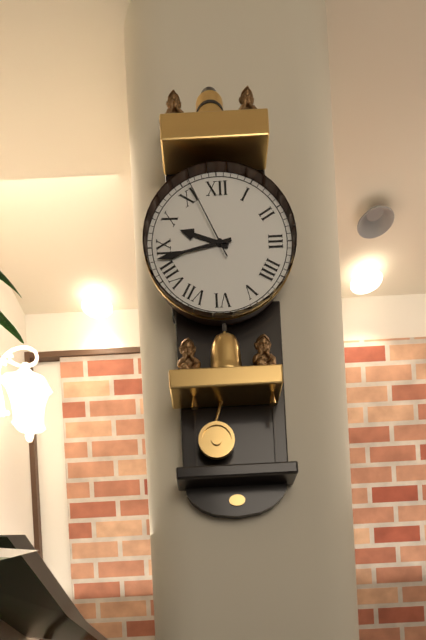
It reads 9,43,56
